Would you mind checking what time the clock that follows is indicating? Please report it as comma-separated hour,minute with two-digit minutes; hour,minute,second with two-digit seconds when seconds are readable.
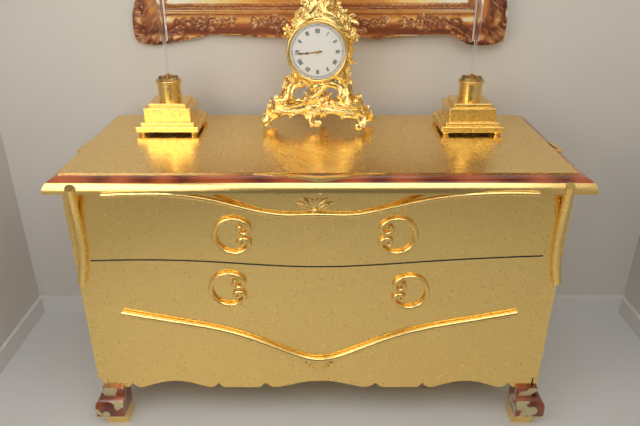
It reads 8,44
